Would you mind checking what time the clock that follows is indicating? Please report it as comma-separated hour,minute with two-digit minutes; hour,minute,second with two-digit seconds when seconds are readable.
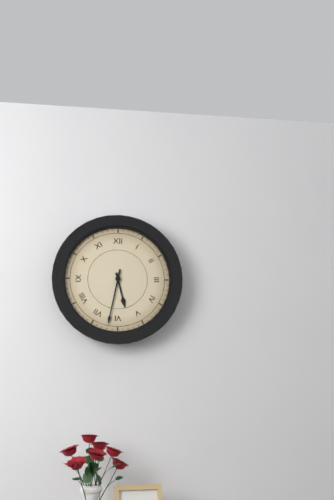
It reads 5,32
